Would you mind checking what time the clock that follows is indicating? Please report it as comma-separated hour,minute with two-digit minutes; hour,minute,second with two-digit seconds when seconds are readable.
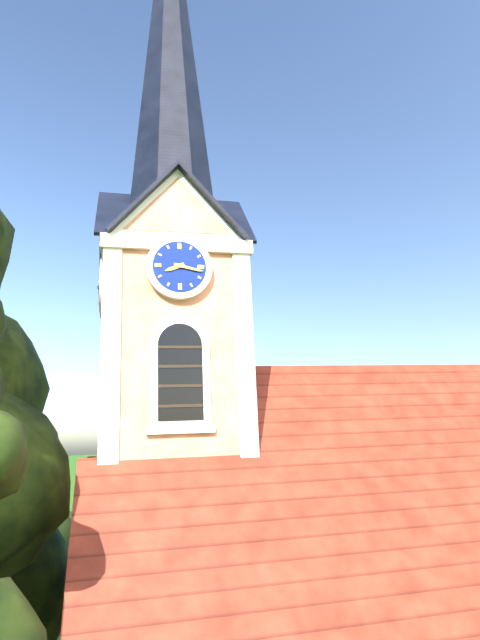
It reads 8,17
